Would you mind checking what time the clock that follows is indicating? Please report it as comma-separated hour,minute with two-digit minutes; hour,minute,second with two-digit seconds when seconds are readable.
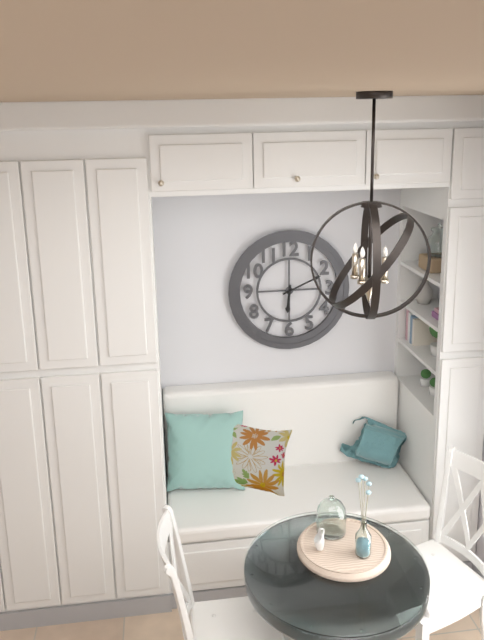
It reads 6,11
